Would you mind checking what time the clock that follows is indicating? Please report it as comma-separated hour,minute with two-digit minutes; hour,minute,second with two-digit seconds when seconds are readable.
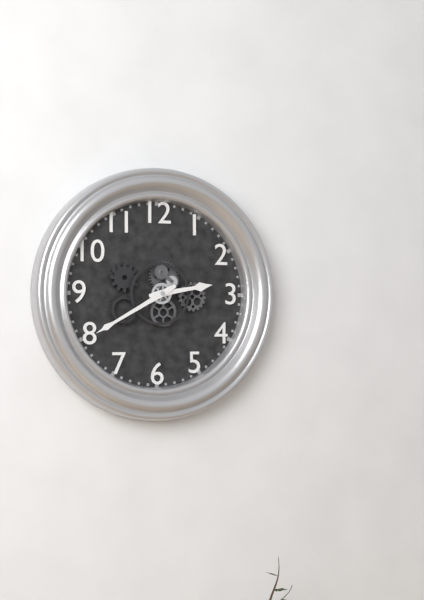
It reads 2,40
